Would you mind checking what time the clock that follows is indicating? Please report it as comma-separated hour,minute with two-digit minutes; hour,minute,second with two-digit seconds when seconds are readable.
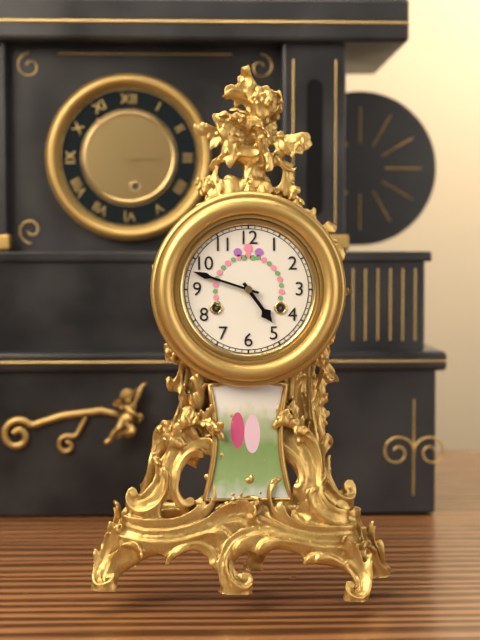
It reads 4,48
